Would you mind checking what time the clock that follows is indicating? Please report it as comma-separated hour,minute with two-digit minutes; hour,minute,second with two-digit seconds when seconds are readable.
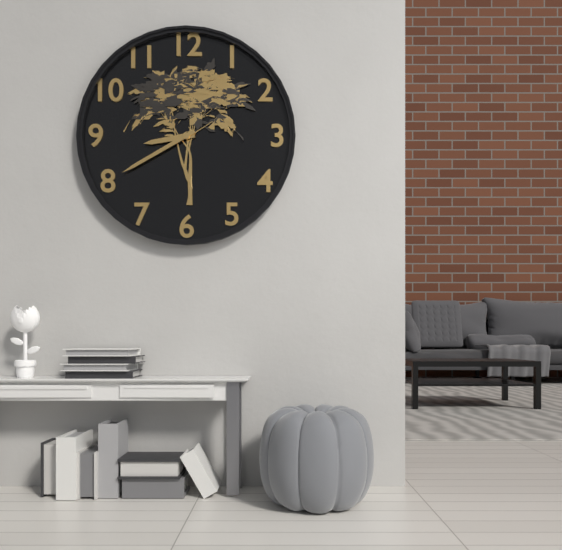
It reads 8,40
